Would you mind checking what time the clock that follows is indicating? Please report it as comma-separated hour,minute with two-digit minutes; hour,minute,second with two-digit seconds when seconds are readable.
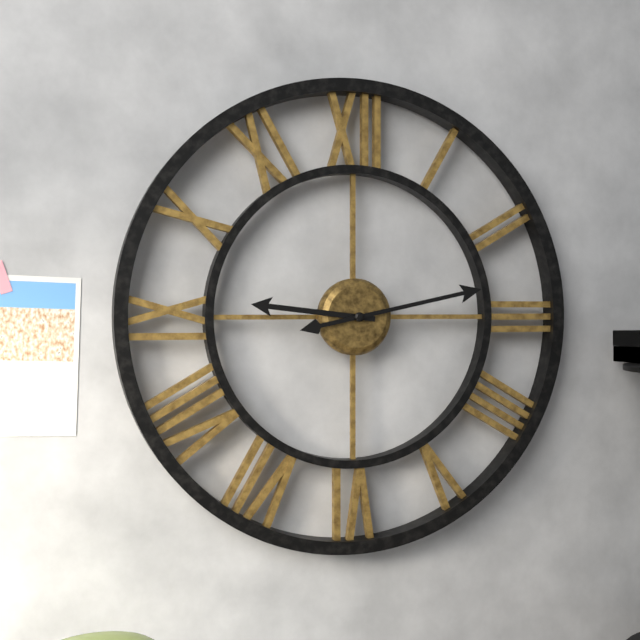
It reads 9,13
